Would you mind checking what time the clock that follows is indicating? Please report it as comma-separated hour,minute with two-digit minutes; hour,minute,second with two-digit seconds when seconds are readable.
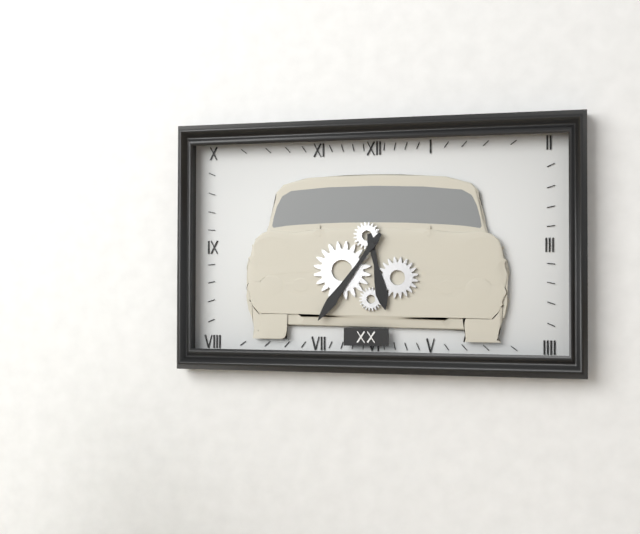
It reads 5,36
